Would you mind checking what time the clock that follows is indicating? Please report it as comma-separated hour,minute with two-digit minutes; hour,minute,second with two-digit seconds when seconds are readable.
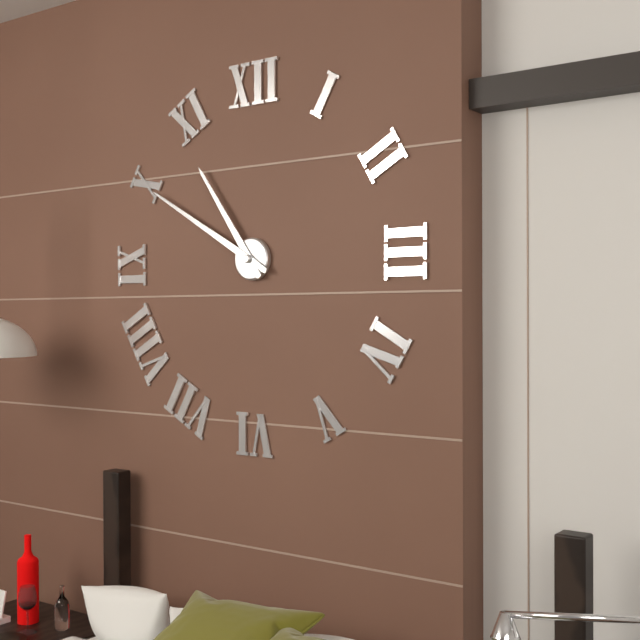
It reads 10,50
